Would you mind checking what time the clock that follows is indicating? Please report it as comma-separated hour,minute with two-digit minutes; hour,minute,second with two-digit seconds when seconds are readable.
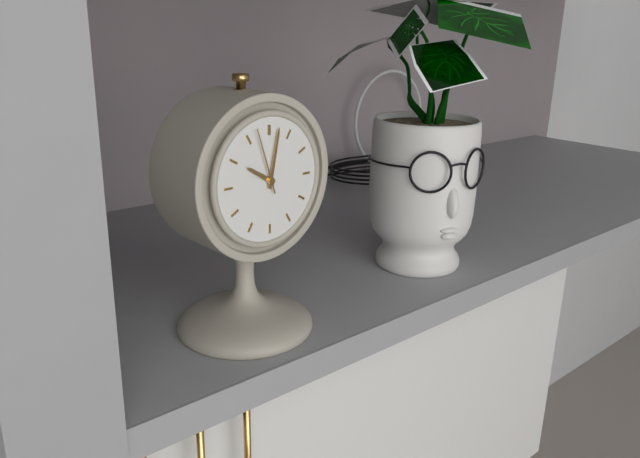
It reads 10,02,57
